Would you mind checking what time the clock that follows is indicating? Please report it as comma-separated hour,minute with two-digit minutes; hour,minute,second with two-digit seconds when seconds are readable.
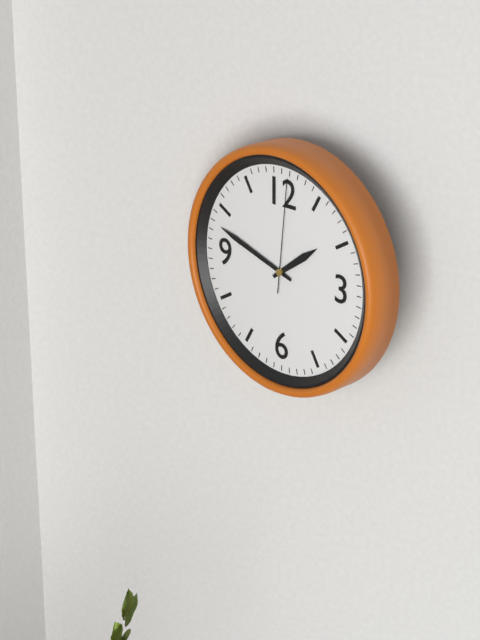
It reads 1,48,01
